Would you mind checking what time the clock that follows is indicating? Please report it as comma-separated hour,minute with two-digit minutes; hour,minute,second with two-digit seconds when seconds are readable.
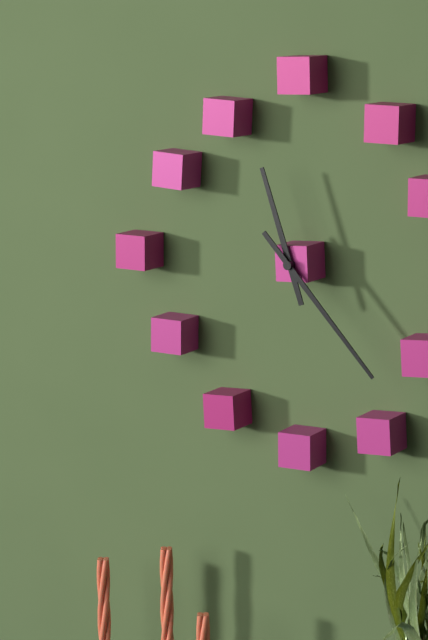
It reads 11,23
